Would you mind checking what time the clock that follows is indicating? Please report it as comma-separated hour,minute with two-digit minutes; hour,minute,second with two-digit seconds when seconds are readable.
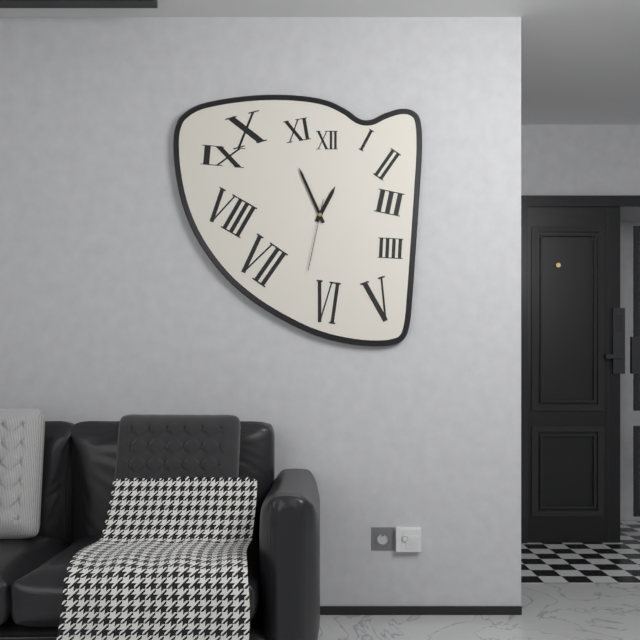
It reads 12,56,32
